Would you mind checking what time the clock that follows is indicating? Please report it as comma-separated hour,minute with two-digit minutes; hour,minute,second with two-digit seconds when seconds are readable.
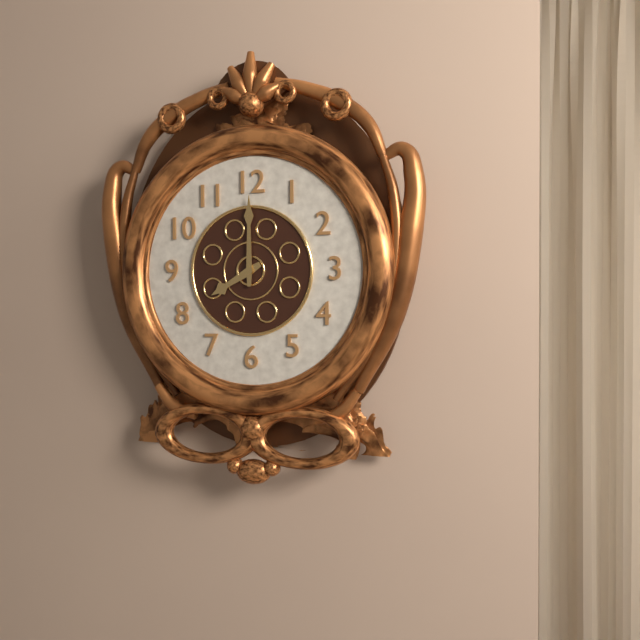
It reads 8,00
